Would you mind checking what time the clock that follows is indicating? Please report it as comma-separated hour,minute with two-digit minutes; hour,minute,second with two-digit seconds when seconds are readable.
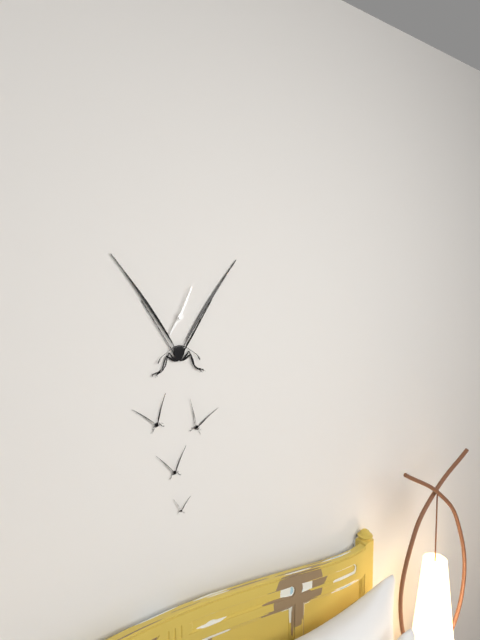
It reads 7,04
